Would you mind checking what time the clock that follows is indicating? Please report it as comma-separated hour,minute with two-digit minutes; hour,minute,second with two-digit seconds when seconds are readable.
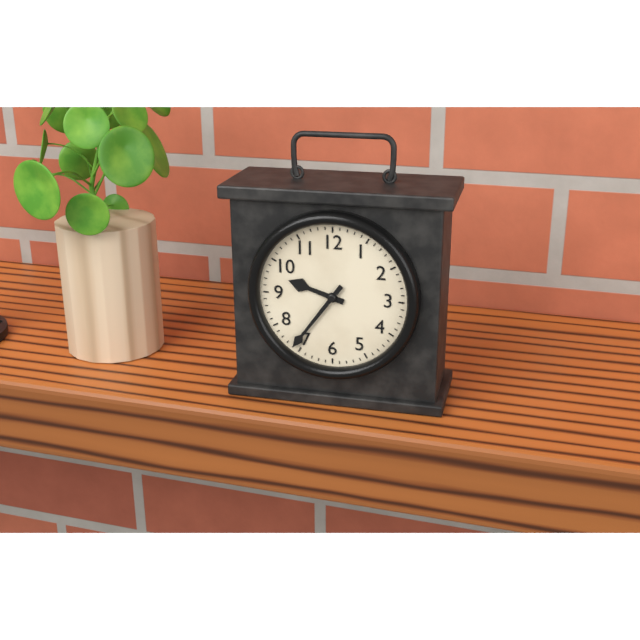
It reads 9,36
